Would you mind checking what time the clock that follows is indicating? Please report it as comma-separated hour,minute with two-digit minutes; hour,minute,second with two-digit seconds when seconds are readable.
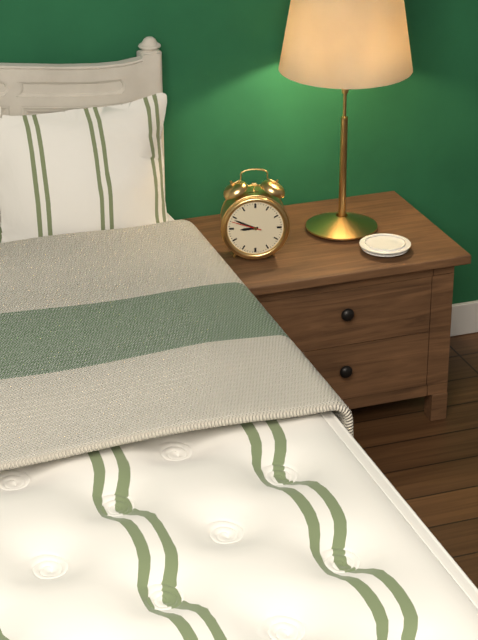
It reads 8,49
